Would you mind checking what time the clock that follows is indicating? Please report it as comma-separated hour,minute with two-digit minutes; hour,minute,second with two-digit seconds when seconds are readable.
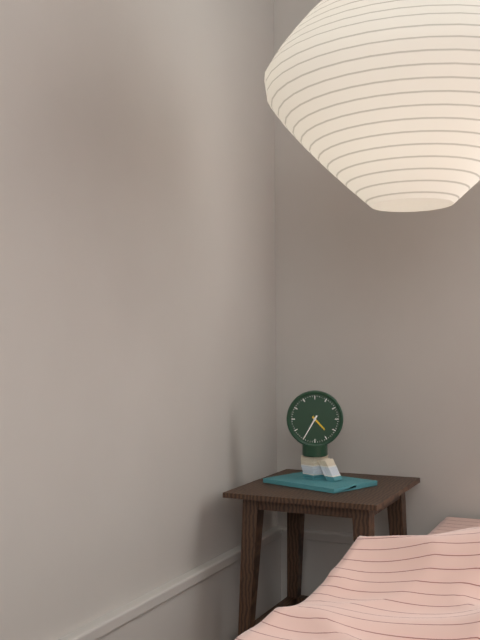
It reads 4,35
